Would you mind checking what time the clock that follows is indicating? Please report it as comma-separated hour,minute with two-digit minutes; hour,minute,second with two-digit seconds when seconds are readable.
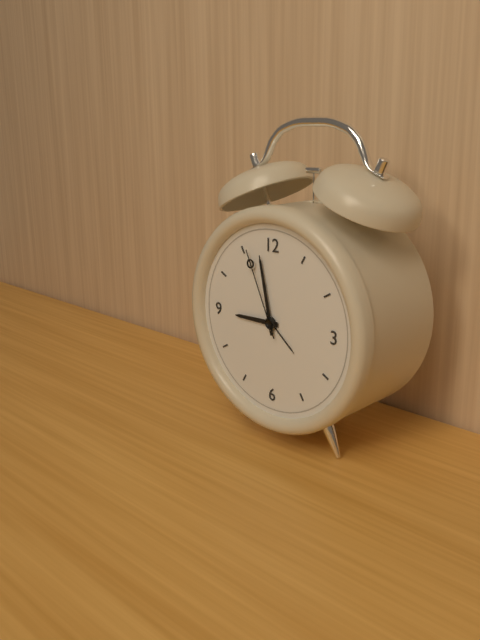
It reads 8,58,56
